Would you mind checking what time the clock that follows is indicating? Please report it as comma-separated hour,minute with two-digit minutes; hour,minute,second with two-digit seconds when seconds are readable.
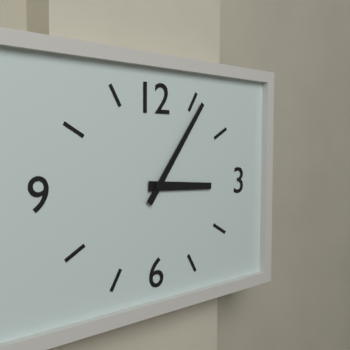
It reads 3,06
